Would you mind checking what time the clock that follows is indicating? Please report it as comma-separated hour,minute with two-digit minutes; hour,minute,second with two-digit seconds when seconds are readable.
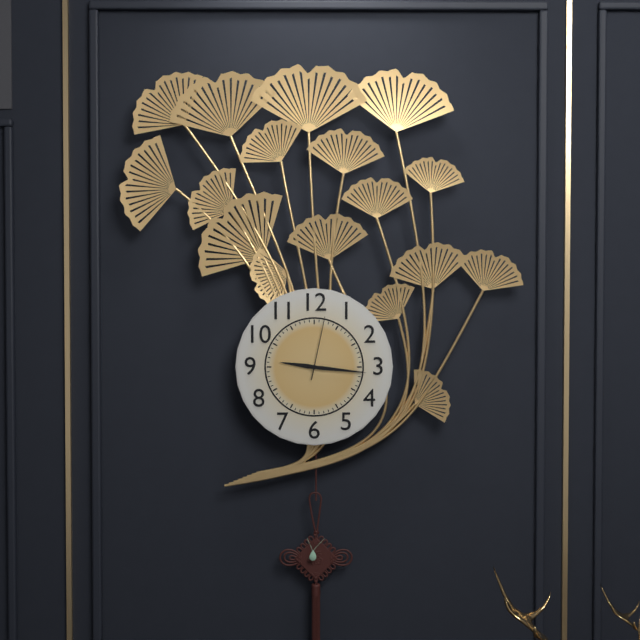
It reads 9,16,02
